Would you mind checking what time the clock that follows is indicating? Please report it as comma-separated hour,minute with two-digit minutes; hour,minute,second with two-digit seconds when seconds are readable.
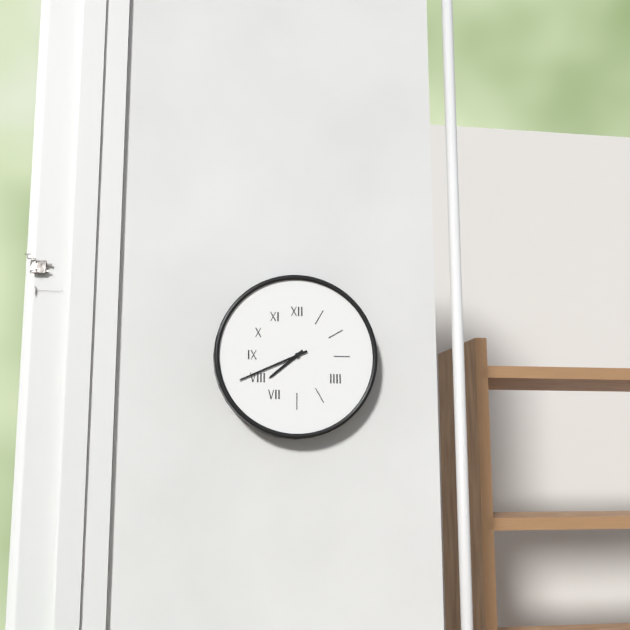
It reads 7,41
